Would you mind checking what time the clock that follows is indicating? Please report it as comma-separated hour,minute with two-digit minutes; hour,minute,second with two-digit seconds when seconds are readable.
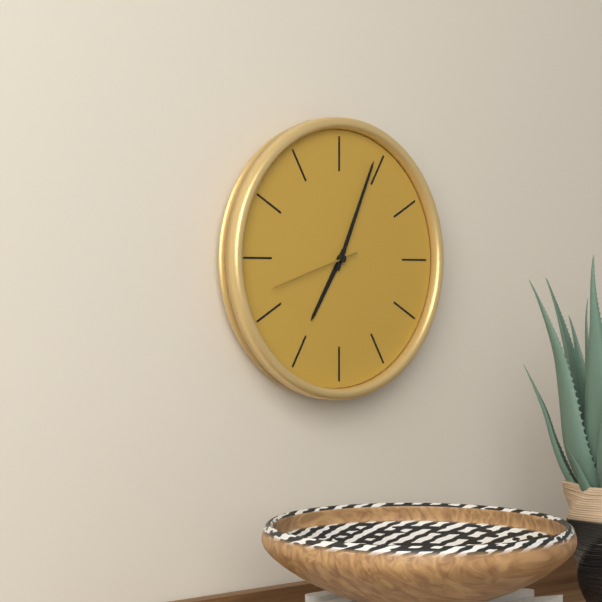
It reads 7,04,42
